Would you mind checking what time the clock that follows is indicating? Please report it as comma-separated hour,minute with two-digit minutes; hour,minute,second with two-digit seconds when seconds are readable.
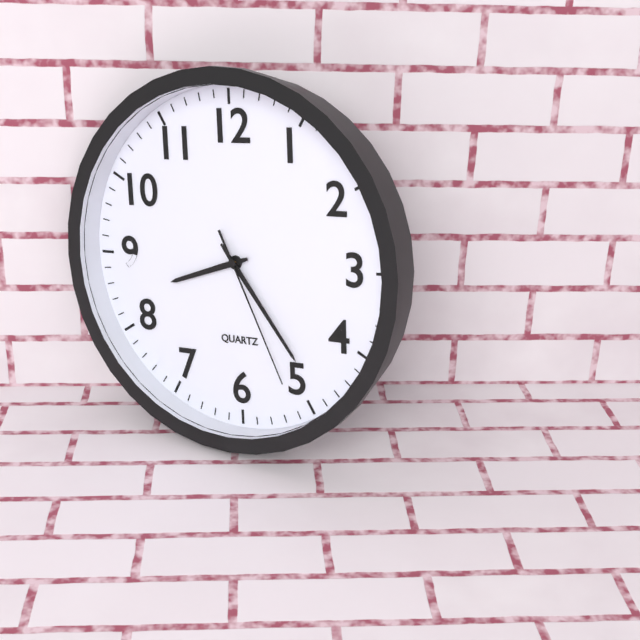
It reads 8,24,26
